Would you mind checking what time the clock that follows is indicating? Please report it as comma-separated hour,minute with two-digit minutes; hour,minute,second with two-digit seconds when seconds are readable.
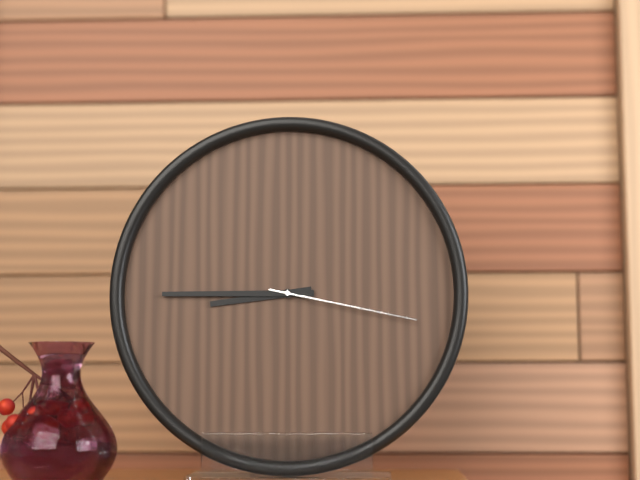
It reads 8,45,17
